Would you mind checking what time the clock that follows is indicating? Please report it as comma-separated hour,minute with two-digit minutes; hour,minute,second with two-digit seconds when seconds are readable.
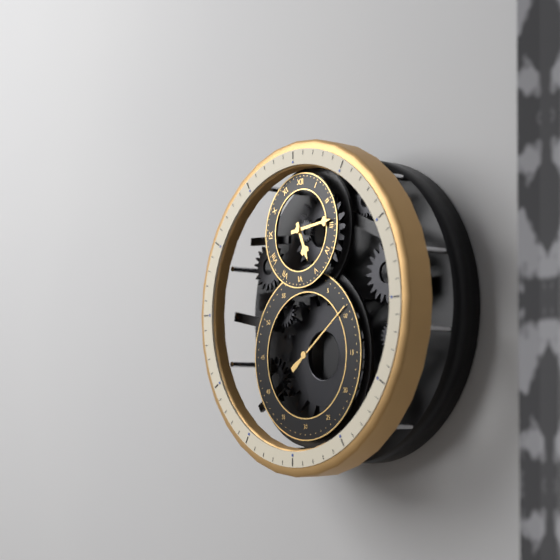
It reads 5,14,09
